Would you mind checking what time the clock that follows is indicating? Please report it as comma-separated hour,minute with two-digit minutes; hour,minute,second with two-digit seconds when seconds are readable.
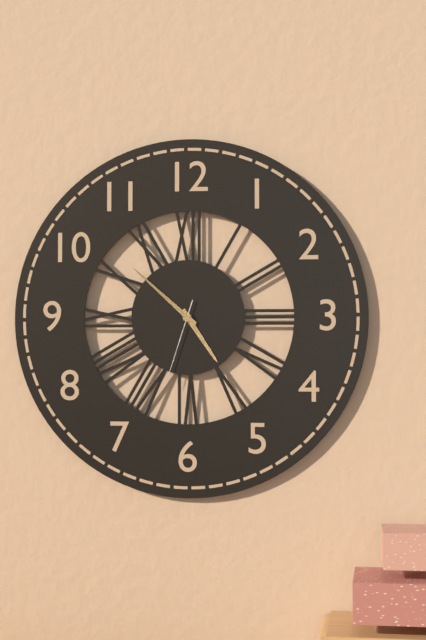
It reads 4,52,33
